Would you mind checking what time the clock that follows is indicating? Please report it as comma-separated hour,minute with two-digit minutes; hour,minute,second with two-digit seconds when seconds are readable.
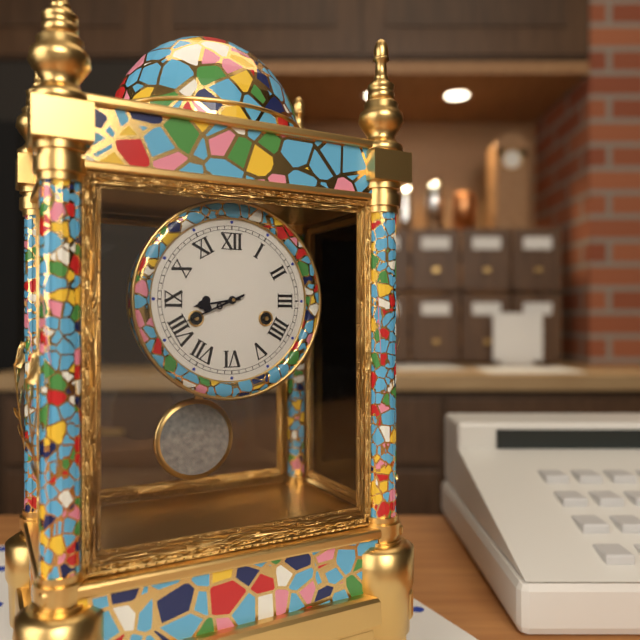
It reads 8,41
